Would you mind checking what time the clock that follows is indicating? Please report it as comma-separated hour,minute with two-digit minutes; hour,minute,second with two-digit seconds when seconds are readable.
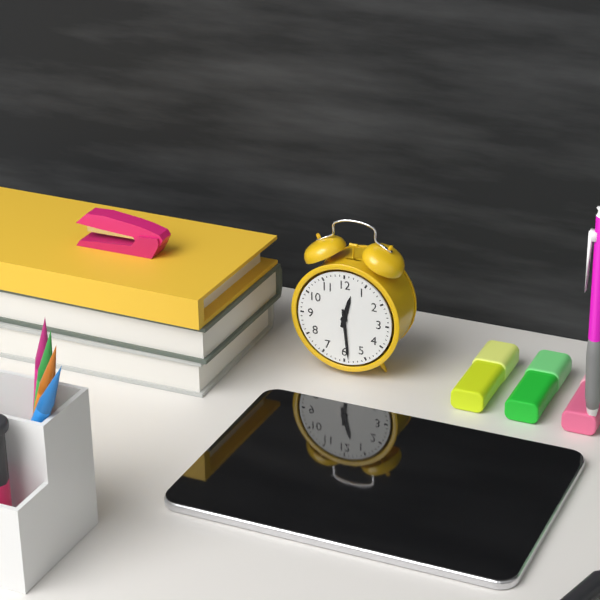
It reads 12,29
